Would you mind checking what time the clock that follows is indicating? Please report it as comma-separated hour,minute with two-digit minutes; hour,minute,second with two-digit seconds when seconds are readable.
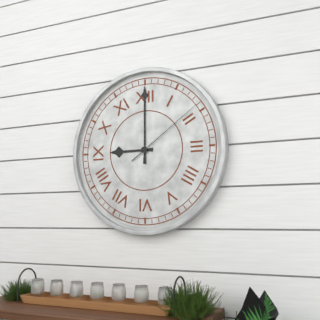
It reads 9,00,09
